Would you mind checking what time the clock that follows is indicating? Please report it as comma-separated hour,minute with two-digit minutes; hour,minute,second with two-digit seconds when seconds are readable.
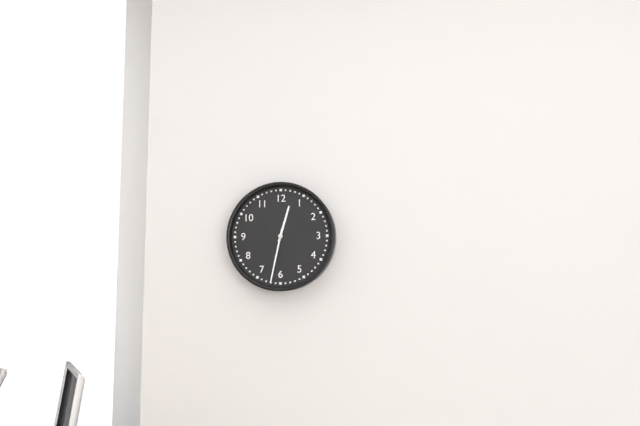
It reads 12,32
